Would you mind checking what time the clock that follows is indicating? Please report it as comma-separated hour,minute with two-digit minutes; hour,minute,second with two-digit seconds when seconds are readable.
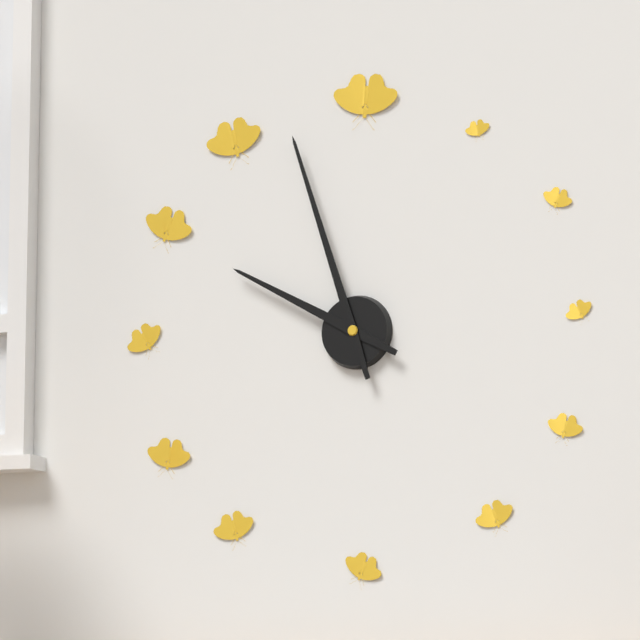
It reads 9,57
